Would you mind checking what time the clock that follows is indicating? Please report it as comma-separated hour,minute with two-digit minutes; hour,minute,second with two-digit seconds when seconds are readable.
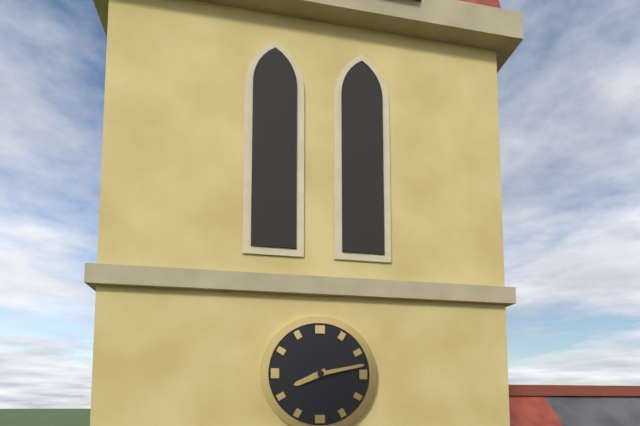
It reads 8,13
